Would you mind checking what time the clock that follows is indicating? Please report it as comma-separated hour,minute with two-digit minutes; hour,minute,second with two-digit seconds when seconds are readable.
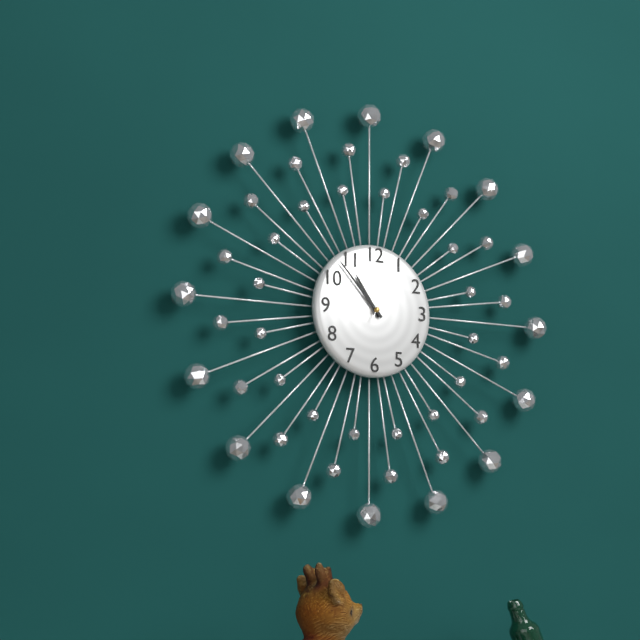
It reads 10,53,04
